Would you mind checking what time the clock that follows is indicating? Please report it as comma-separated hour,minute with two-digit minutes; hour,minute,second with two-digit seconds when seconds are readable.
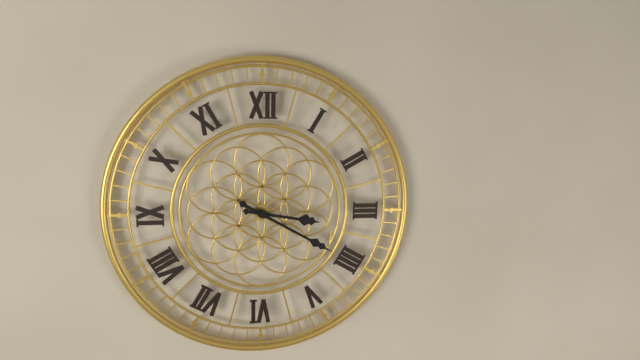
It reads 3,20
